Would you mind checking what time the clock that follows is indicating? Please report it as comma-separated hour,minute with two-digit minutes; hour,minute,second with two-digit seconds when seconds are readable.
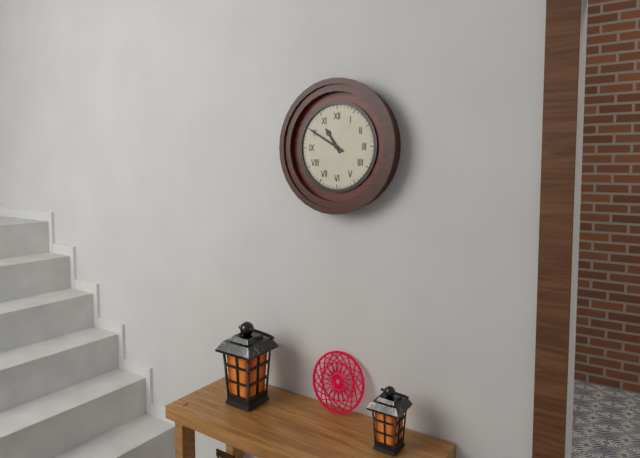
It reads 10,50
